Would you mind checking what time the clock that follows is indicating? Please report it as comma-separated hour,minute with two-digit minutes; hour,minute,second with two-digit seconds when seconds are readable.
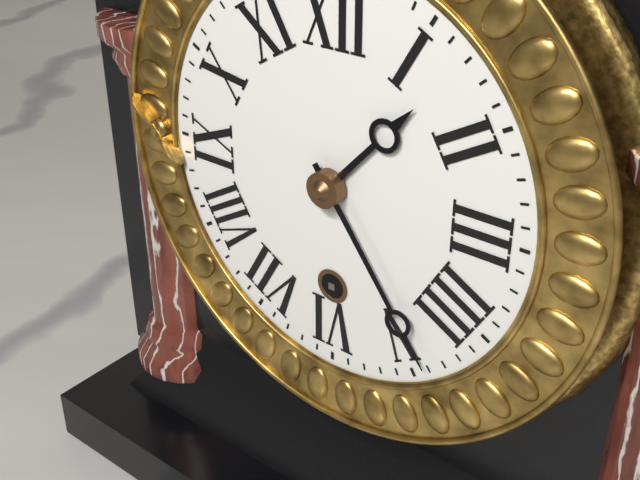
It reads 1,24
